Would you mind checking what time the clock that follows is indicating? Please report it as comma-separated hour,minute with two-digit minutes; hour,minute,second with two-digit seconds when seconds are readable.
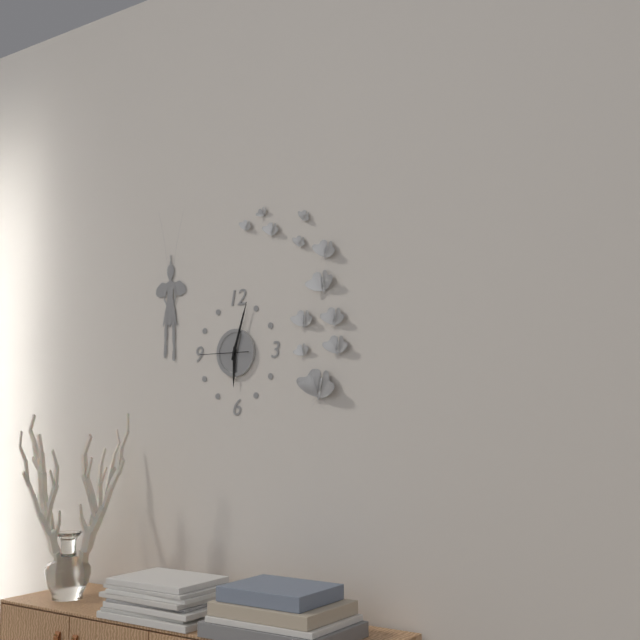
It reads 6,03
